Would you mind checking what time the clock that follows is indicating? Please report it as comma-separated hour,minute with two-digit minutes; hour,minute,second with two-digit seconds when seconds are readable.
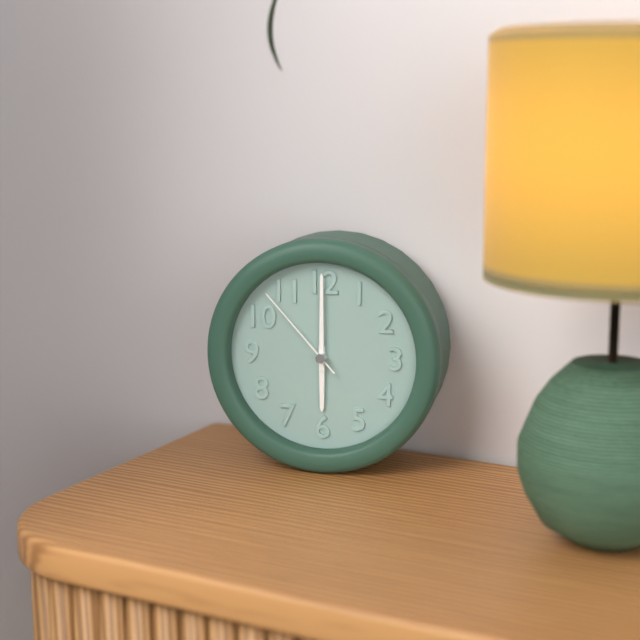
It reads 6,00,53
